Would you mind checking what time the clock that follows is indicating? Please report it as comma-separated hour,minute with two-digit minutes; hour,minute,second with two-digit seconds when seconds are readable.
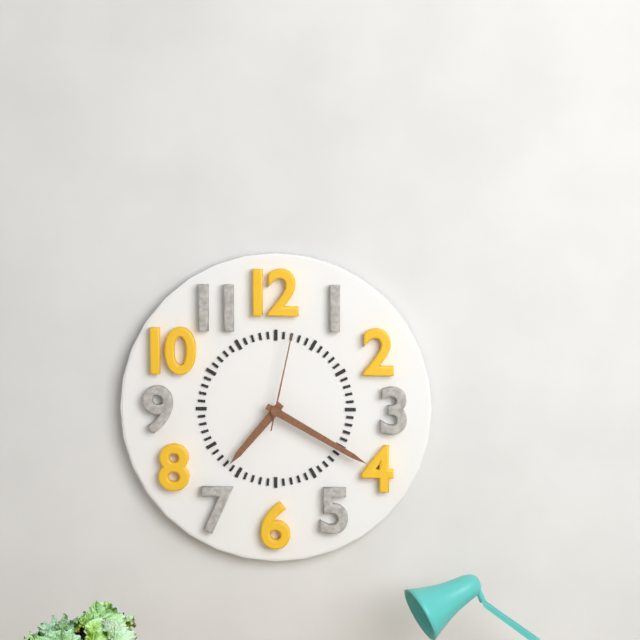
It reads 7,20,02
